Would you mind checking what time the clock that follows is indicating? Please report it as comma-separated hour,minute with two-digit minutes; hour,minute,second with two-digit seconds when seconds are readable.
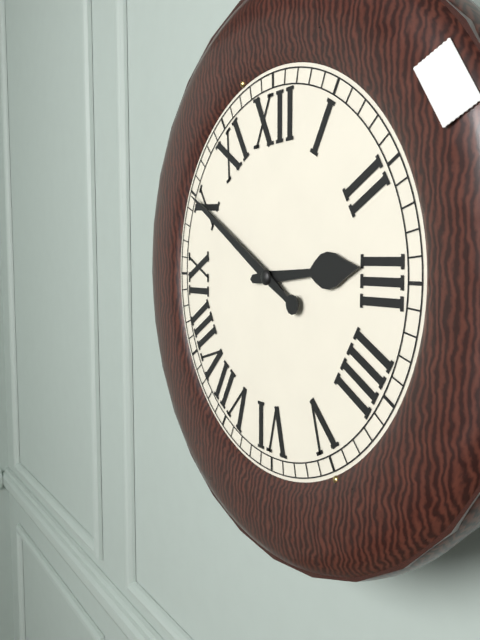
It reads 2,50
